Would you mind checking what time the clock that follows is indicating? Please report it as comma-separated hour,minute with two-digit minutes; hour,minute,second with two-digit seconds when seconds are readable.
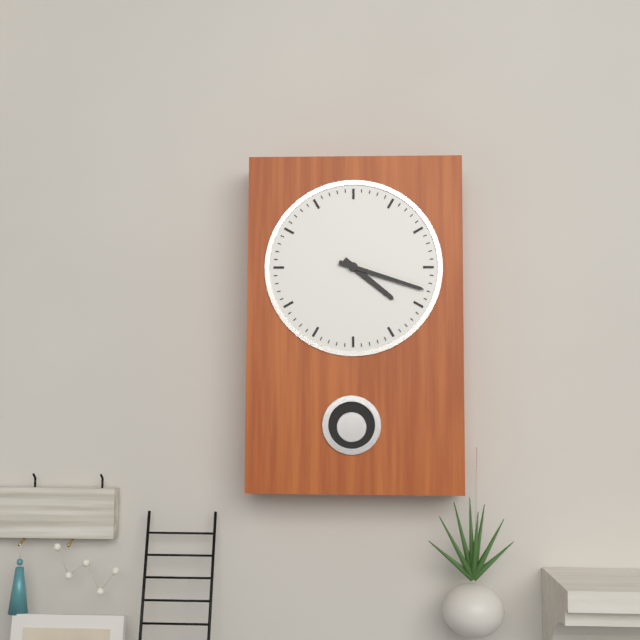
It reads 4,18
